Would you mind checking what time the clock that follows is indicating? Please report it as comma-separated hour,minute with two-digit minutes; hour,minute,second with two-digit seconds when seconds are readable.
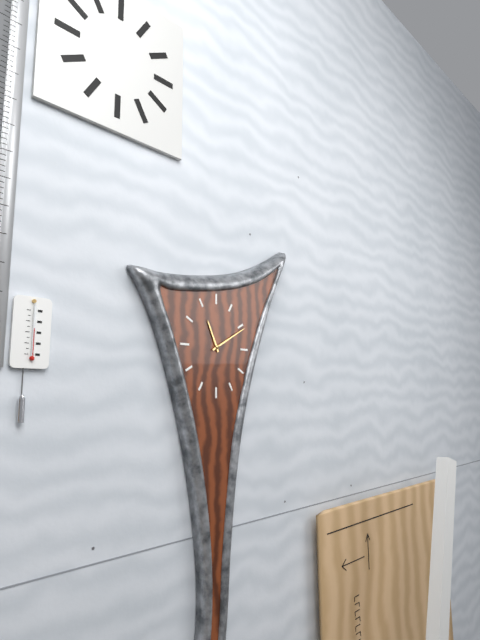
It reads 11,10
